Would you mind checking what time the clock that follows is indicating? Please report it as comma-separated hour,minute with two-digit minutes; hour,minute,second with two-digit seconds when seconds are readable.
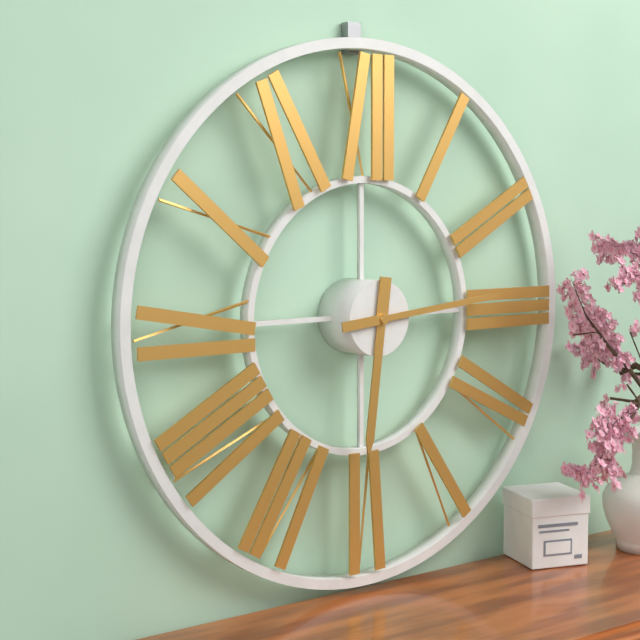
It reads 6,14
